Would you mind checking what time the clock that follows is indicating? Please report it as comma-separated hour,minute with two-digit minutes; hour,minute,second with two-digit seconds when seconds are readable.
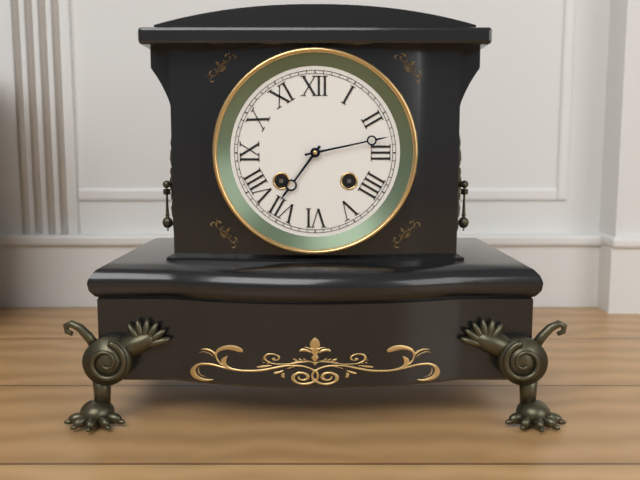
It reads 7,13
